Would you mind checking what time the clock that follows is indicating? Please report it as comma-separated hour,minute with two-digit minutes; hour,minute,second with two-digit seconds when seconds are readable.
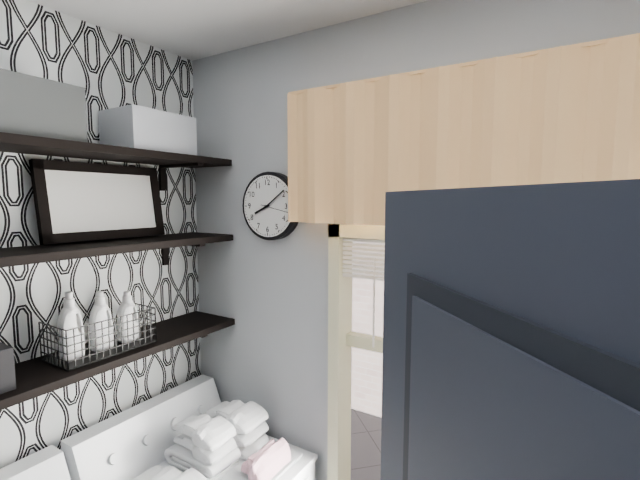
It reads 8,09
